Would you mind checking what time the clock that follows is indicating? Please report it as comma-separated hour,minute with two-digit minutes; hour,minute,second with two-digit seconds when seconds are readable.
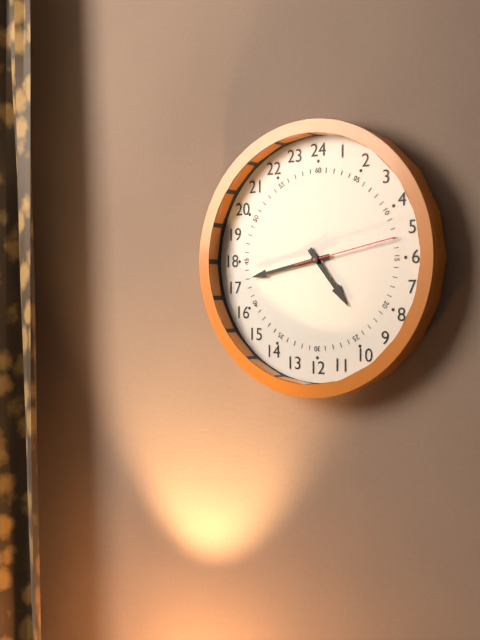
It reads 4,43,13
